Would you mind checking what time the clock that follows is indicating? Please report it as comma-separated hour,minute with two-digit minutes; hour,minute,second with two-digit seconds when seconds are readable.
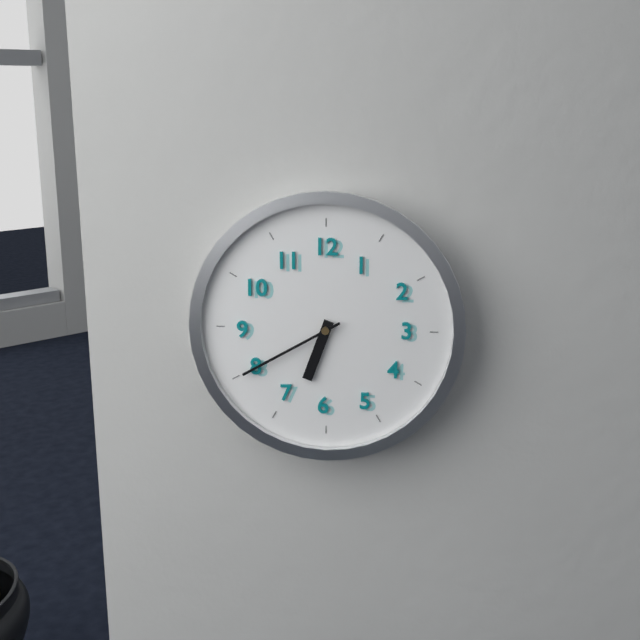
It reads 6,40
